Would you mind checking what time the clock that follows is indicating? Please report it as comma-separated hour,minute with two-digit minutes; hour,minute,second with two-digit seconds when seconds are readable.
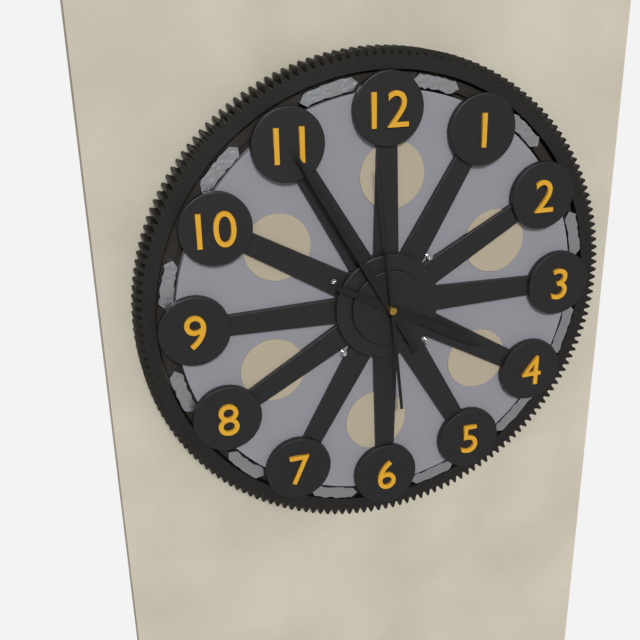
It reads 3,55,59
